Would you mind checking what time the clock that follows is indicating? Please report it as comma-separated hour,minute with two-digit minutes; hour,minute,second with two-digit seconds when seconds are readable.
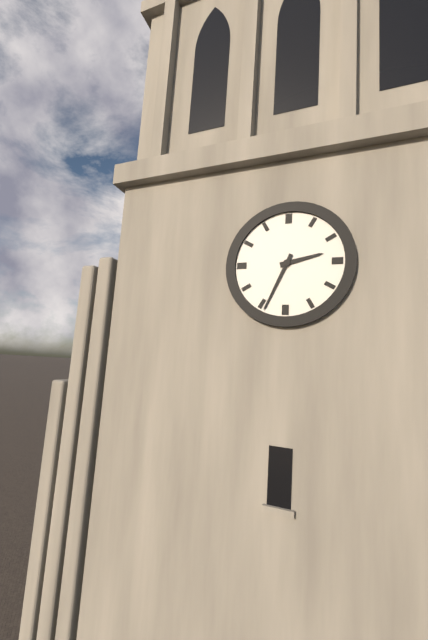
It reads 2,34
